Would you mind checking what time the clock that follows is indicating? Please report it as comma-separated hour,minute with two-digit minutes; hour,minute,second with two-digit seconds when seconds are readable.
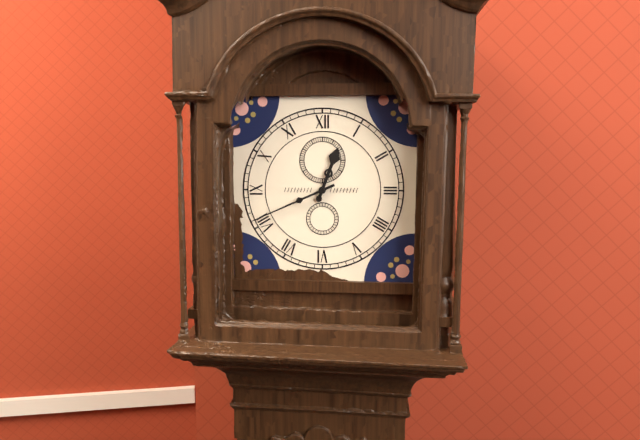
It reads 12,41
